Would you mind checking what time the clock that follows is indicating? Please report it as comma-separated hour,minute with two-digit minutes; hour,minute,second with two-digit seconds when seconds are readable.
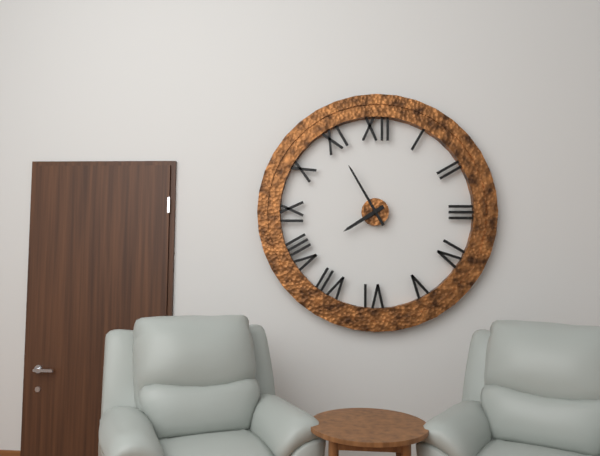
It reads 7,55
